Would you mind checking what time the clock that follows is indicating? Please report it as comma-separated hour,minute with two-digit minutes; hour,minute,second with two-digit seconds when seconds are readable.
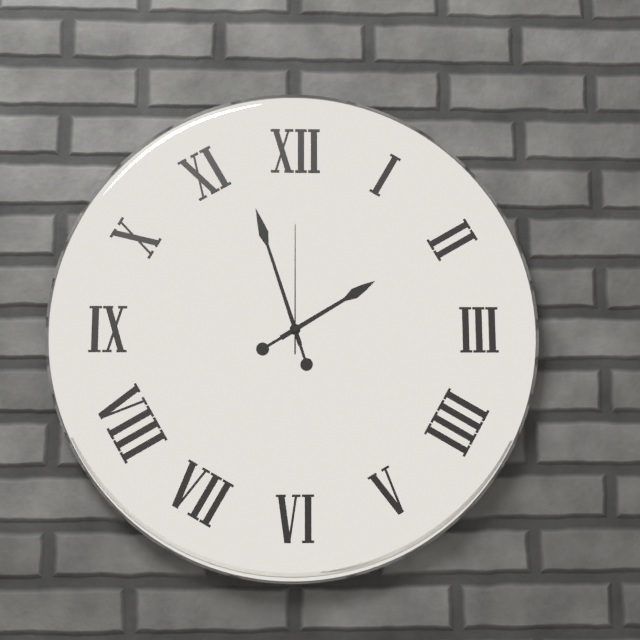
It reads 1,57,00
